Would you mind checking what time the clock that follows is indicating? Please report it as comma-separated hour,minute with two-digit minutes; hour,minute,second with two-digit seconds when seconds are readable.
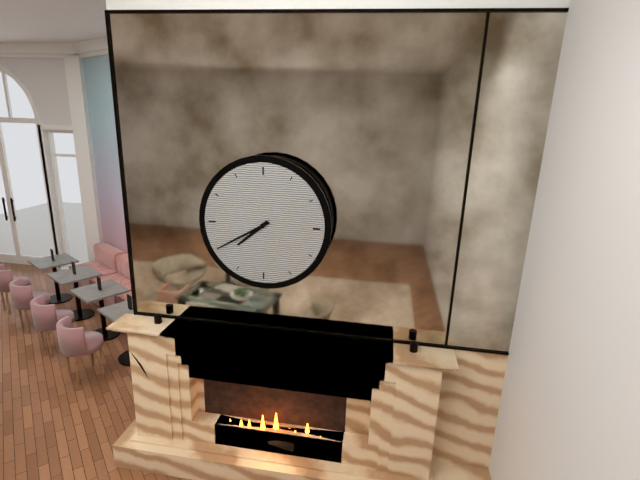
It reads 7,40
